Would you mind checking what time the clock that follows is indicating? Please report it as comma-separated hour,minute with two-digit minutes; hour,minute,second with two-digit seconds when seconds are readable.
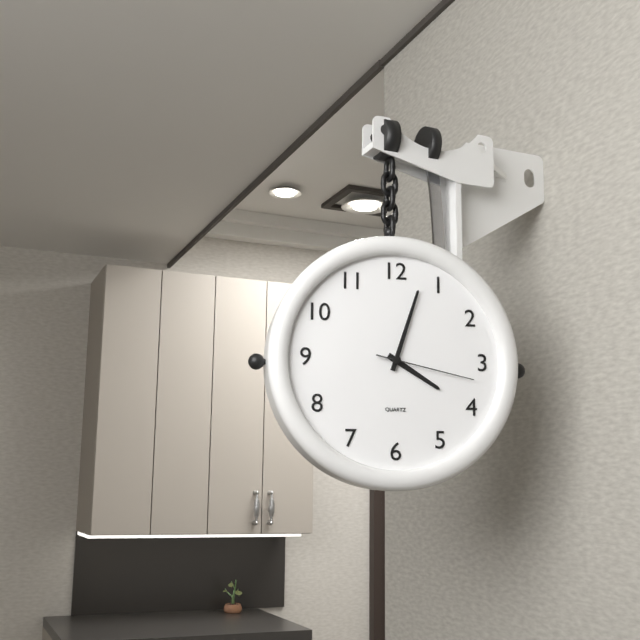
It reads 4,03,17
